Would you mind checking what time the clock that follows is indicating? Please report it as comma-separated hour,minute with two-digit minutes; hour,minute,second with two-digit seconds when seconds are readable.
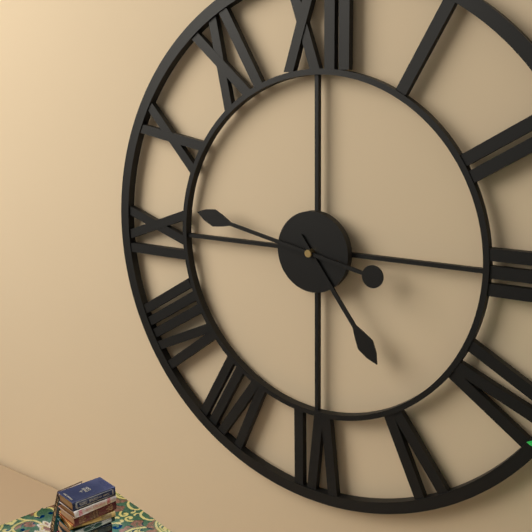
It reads 4,47
